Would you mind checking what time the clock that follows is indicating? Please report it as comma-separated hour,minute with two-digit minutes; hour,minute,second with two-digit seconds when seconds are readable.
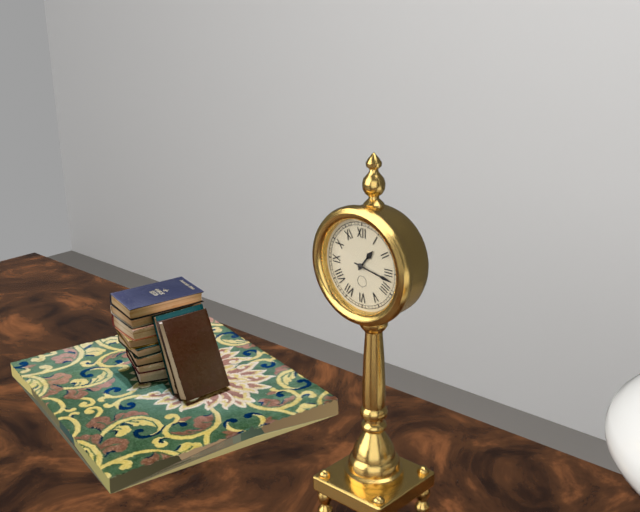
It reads 1,17
